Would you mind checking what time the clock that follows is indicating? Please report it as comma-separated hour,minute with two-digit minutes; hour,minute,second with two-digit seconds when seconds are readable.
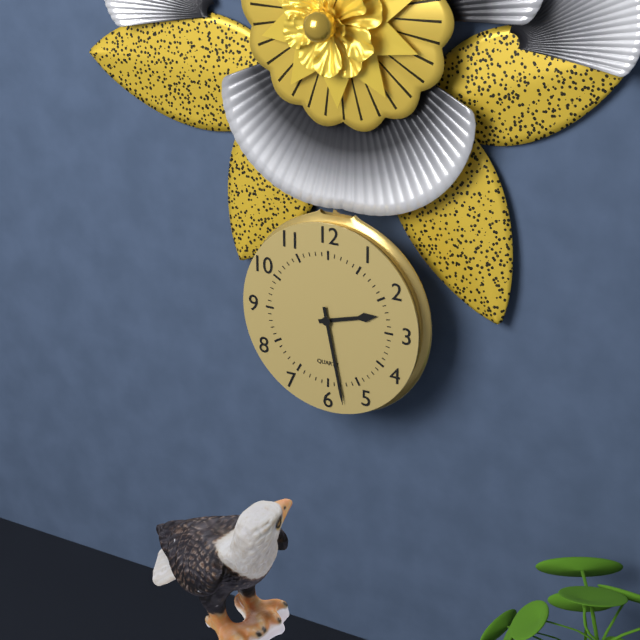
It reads 2,28
